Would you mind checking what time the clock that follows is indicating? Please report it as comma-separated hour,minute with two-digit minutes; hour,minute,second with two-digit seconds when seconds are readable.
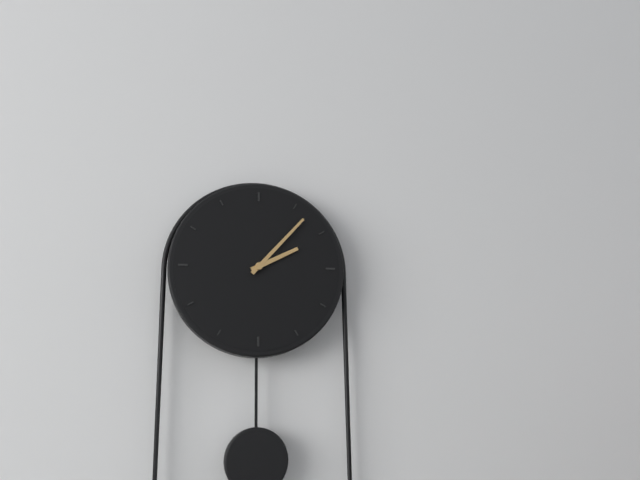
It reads 2,07
